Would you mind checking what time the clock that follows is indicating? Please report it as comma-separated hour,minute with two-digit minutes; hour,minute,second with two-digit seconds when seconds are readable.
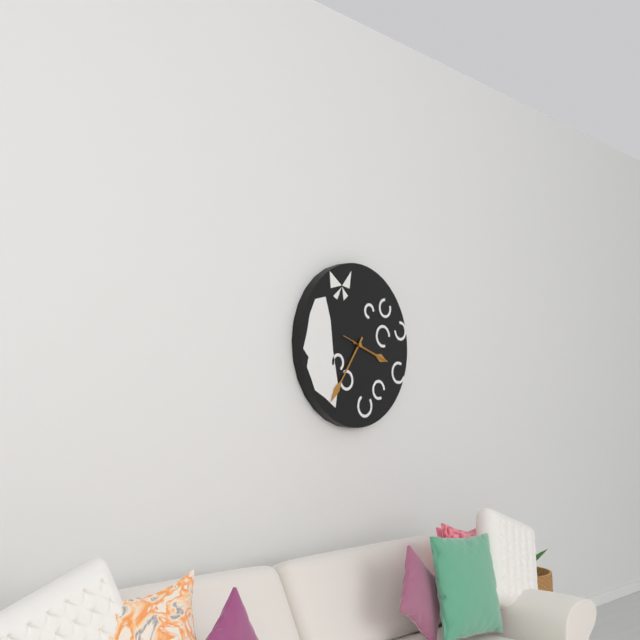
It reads 3,36
